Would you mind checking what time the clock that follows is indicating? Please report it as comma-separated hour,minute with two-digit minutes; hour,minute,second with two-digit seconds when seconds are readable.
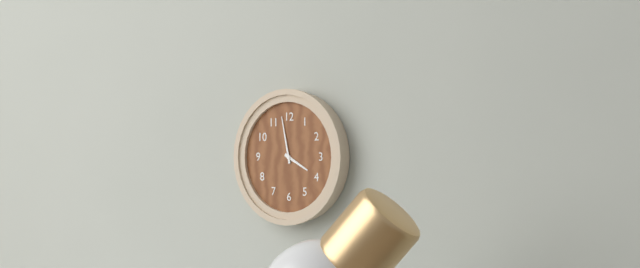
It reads 3,58
